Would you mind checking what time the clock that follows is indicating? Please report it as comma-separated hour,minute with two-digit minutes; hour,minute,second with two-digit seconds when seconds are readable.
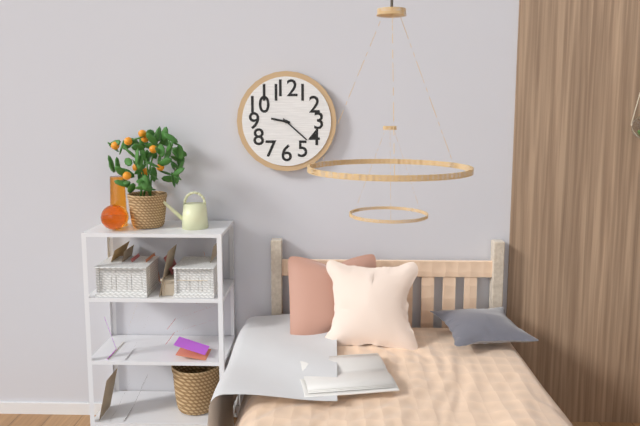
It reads 9,22
